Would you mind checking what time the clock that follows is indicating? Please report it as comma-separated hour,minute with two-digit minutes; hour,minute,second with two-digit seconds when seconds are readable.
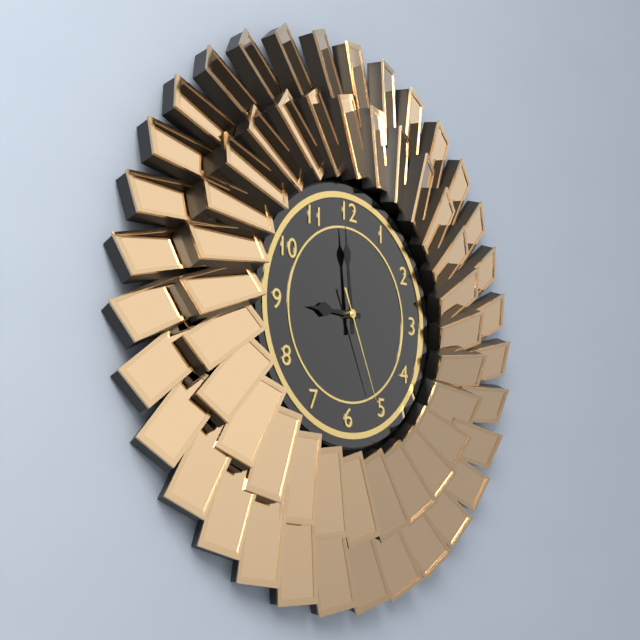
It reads 8,59,26
